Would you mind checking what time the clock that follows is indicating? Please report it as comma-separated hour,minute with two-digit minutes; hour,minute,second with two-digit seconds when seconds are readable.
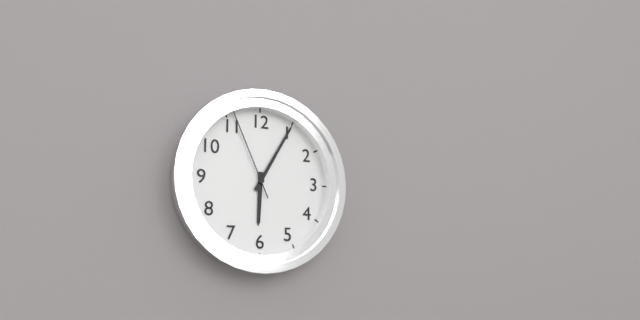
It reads 6,05,56
